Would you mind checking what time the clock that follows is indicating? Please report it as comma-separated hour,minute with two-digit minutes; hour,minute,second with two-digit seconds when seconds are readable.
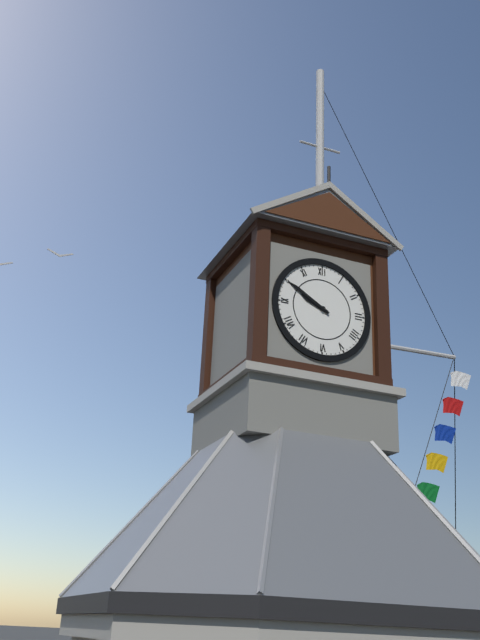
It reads 9,50
